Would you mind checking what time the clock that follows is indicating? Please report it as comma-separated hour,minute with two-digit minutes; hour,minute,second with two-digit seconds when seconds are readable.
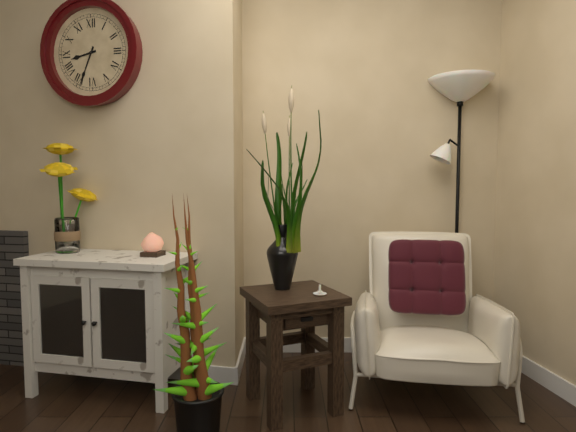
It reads 8,34
